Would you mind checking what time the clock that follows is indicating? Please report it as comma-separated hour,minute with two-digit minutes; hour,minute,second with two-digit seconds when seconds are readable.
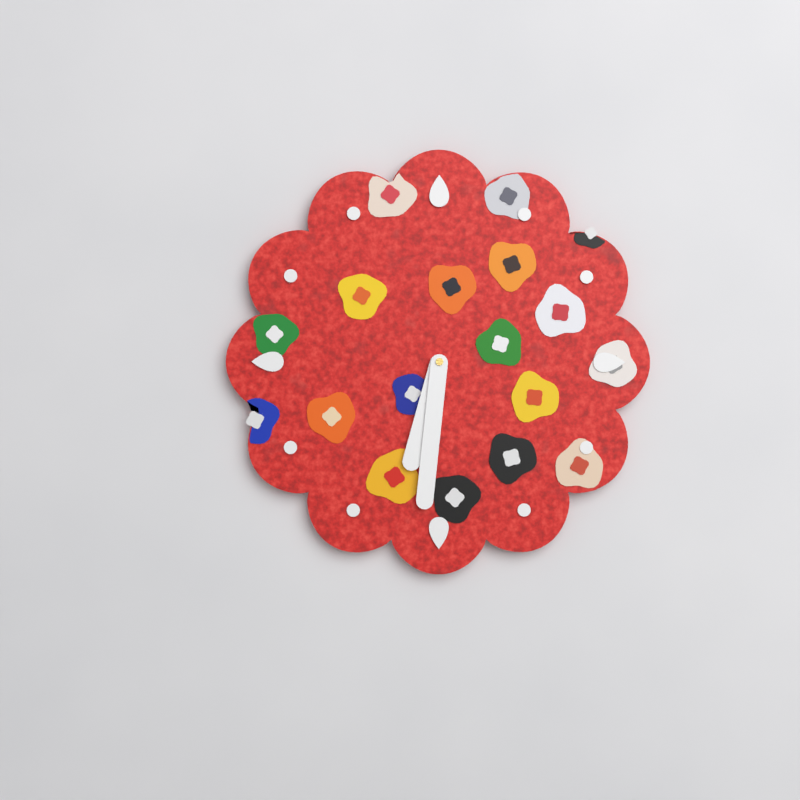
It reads 6,31
